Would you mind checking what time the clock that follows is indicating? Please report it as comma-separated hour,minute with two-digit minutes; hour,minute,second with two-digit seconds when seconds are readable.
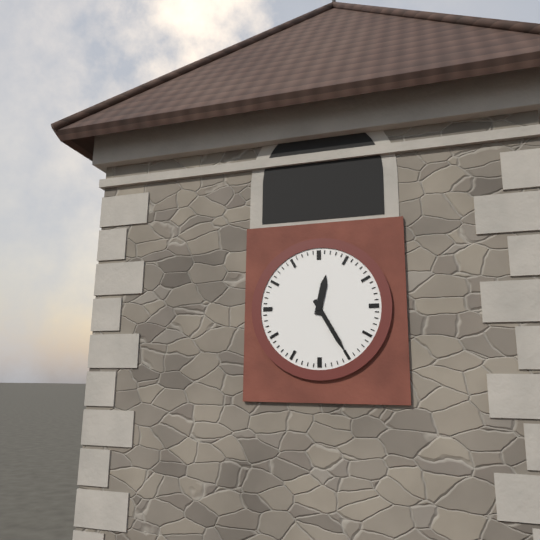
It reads 12,25
